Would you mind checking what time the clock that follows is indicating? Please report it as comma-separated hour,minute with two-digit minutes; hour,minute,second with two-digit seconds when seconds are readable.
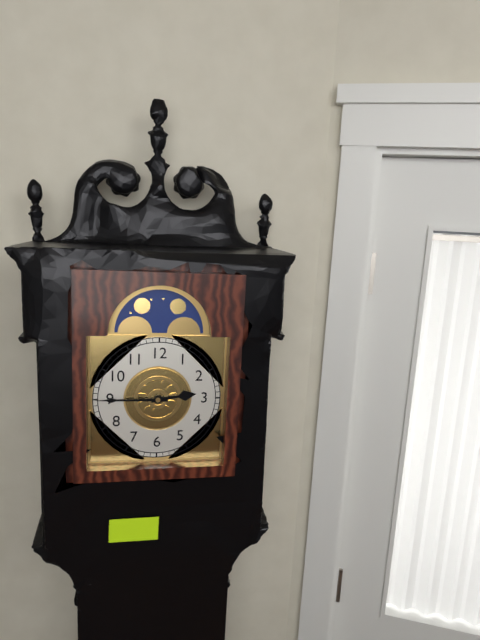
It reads 2,45
